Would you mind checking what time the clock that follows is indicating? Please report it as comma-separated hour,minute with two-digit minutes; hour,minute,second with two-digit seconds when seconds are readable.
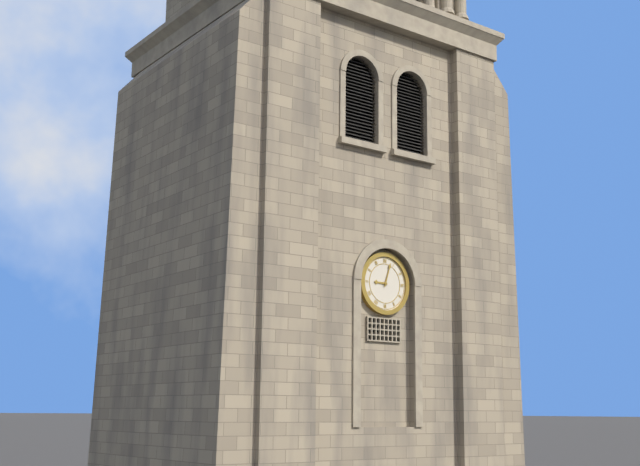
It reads 9,03
